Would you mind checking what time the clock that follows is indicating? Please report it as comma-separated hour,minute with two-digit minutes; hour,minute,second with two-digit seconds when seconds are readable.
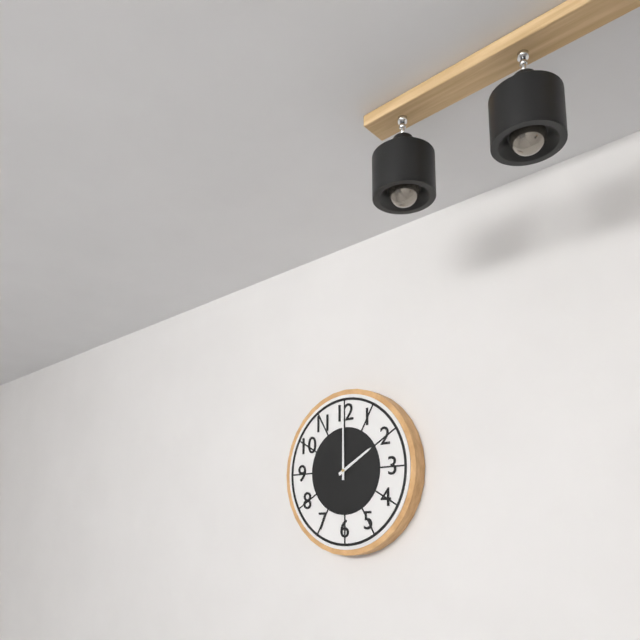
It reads 2,00
